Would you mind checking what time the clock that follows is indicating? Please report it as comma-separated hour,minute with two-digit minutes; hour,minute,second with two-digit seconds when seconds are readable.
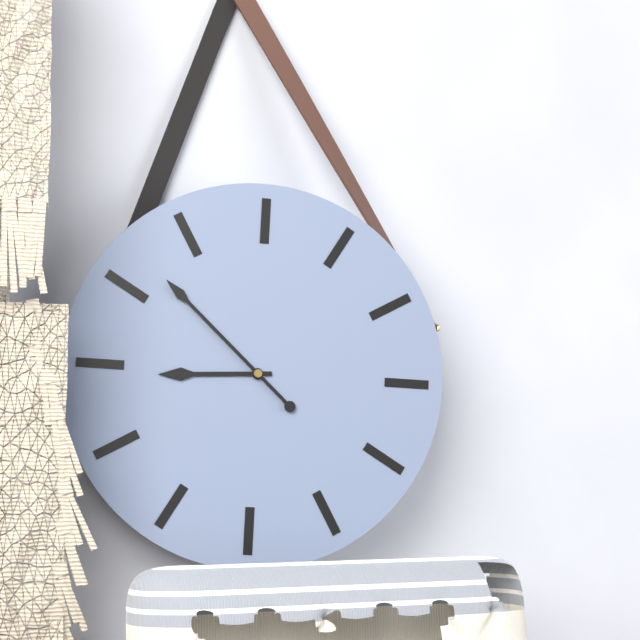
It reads 8,52
